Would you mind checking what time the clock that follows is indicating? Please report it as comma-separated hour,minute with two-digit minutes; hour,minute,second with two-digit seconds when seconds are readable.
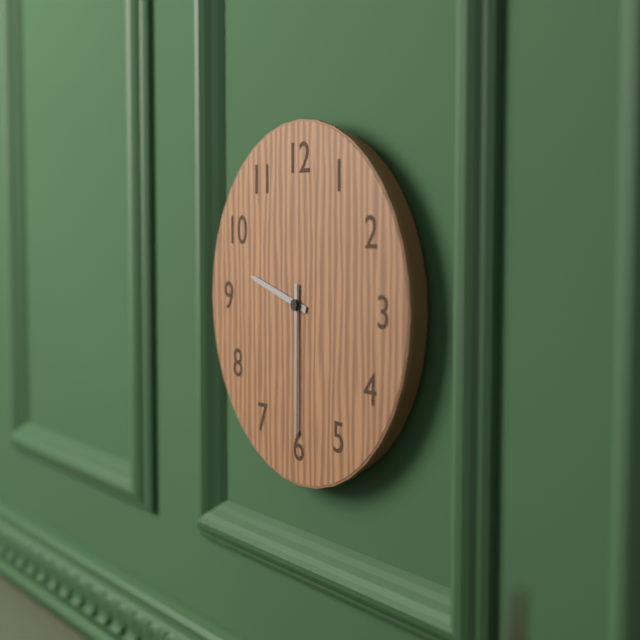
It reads 9,30
